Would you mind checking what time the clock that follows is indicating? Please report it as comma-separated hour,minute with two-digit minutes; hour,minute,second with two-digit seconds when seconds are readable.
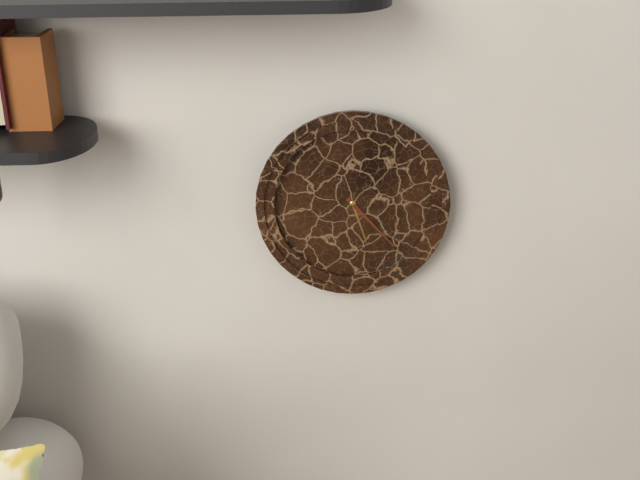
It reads 5,23
